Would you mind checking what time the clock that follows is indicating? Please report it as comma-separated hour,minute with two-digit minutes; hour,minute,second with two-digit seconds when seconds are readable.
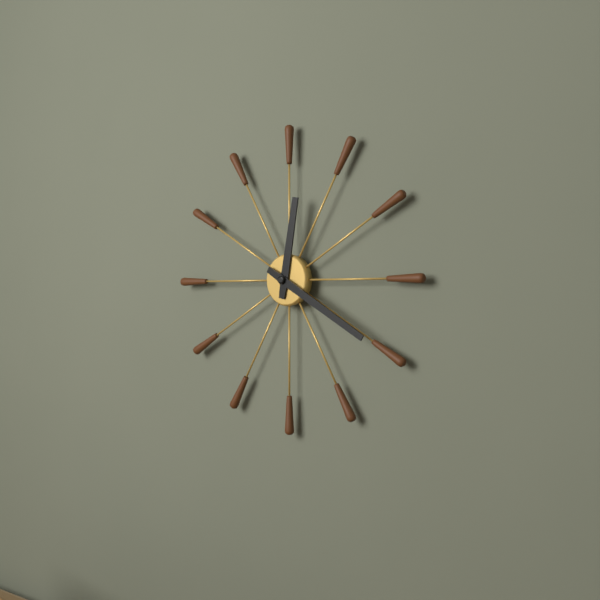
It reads 12,20
